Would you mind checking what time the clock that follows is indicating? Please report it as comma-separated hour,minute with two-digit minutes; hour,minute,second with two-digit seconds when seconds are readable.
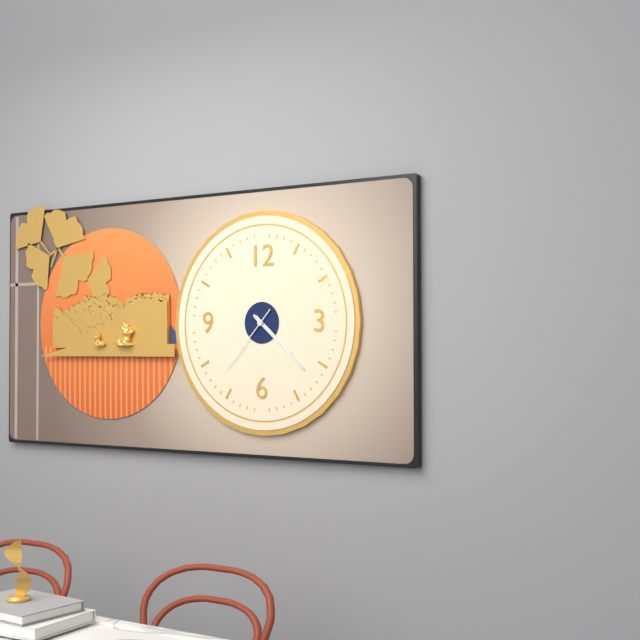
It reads 4,22,37
